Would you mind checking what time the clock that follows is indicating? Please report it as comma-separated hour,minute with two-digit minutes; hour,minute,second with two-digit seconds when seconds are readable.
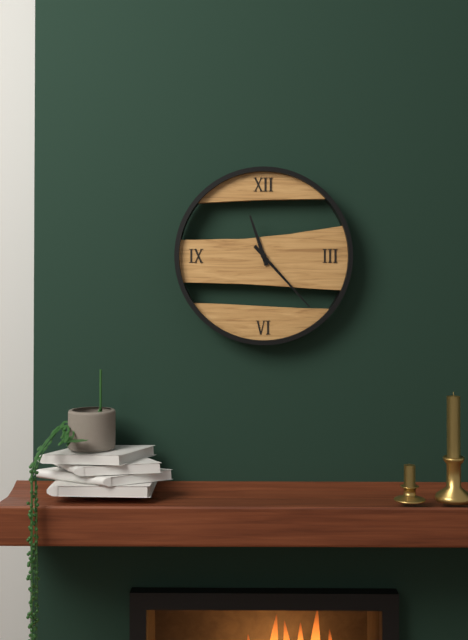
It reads 11,23
